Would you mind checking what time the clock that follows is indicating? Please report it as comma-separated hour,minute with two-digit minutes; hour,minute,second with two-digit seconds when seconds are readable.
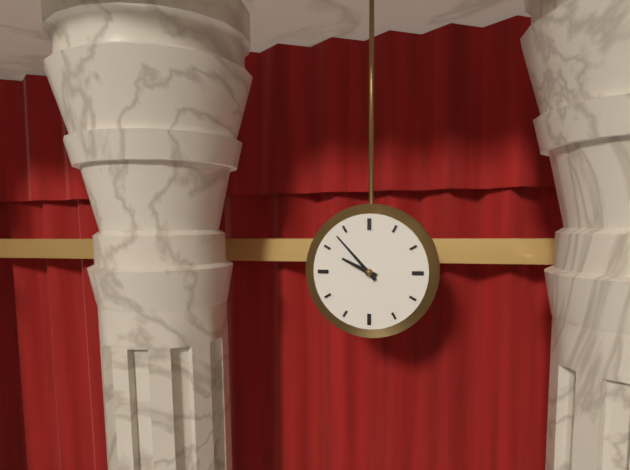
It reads 9,53
